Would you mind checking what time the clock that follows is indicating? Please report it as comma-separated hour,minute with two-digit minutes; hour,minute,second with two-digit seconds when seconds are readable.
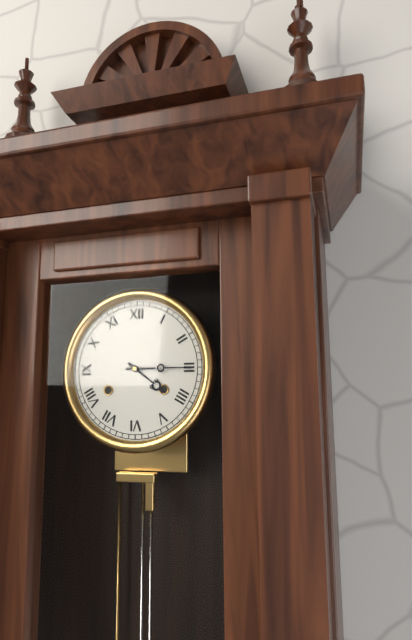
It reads 4,15
